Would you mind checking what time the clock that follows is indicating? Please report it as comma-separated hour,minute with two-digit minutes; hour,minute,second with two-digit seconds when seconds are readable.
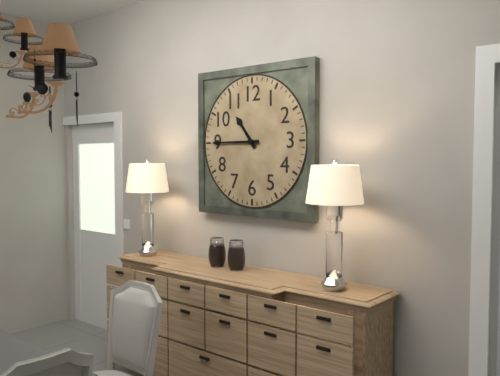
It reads 10,45
